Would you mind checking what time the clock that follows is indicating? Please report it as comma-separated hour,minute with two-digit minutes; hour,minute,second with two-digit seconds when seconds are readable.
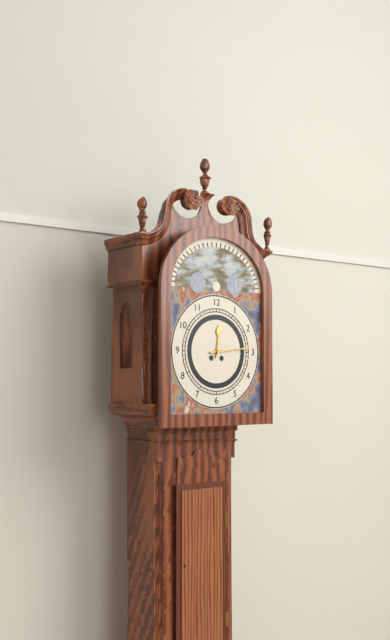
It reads 12,14
